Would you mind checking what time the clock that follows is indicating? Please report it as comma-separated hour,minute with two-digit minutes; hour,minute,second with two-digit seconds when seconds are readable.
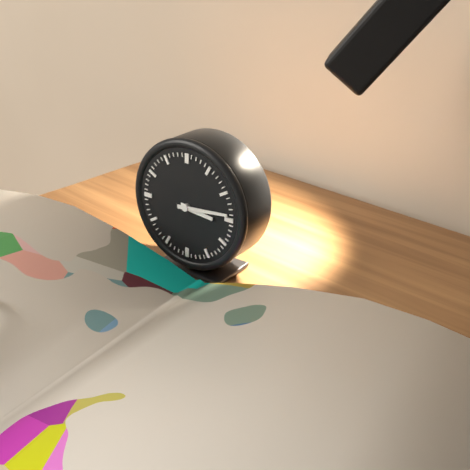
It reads 3,14
